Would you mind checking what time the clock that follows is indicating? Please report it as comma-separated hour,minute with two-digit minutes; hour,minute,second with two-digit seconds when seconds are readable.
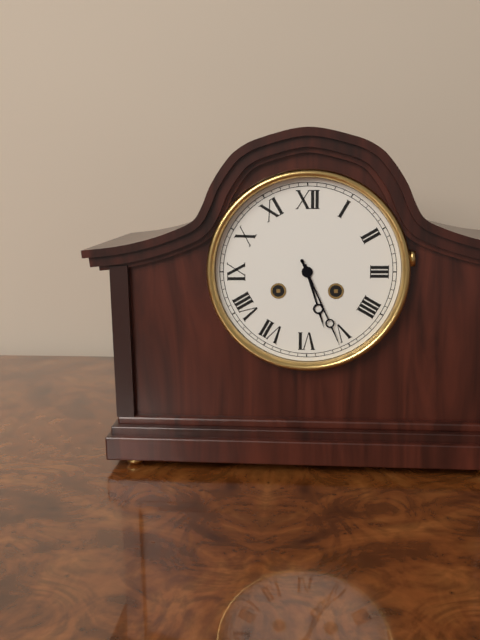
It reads 5,26
